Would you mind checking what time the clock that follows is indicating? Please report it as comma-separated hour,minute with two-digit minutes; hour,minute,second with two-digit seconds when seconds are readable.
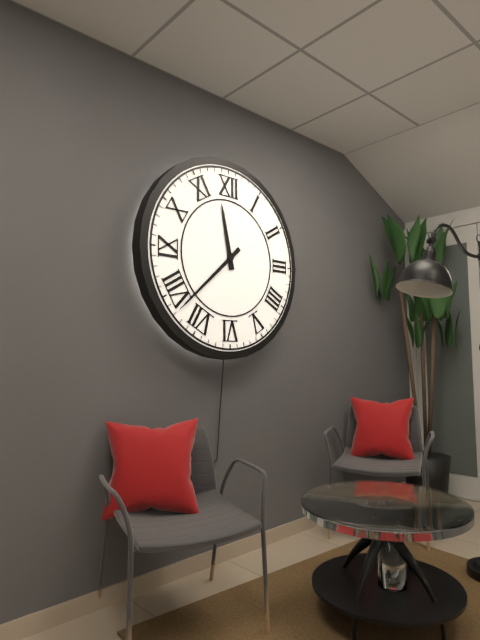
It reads 11,38
